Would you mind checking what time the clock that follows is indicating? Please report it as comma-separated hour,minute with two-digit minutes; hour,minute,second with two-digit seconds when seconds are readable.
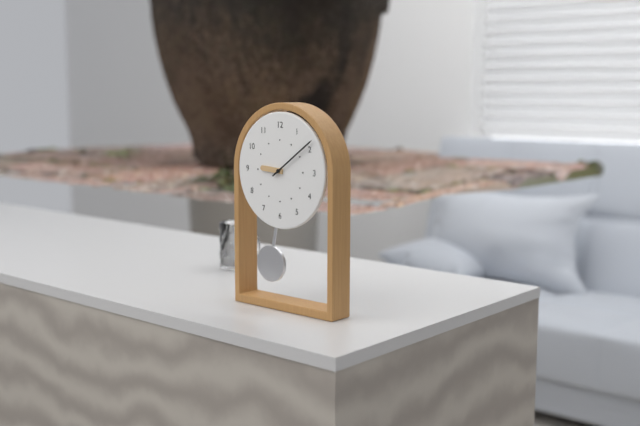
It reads 9,09
